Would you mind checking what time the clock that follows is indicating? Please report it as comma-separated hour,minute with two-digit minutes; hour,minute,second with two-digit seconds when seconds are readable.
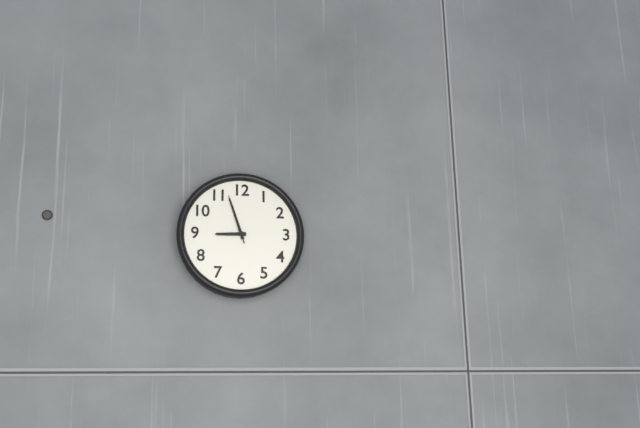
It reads 8,57,57
